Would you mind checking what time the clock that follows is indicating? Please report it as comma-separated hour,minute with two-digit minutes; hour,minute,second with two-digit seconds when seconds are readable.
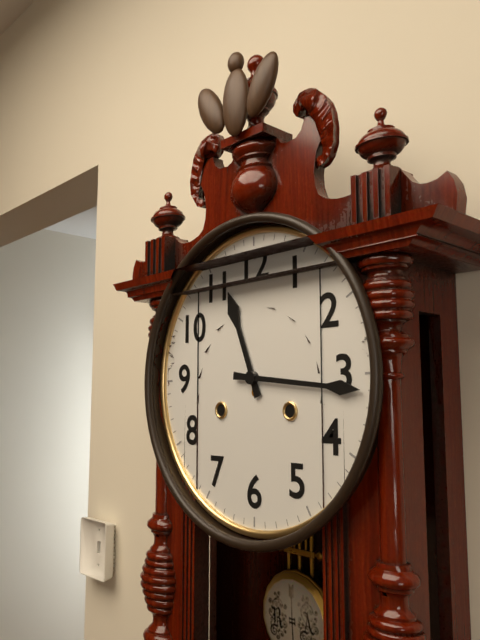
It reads 11,16
